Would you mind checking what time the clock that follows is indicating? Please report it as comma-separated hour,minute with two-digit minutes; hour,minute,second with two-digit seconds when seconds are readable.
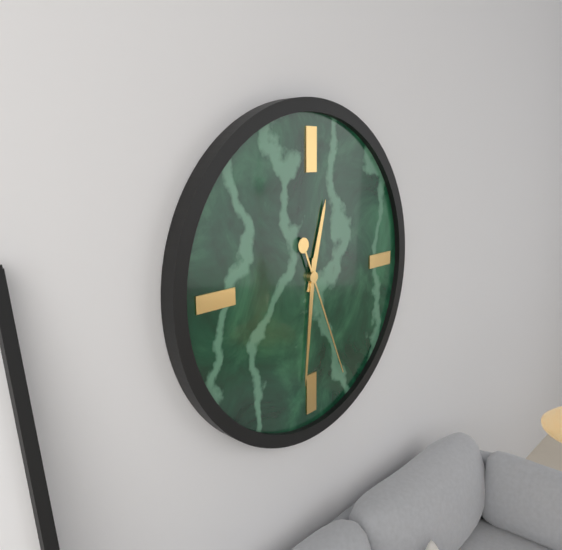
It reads 12,31,26
